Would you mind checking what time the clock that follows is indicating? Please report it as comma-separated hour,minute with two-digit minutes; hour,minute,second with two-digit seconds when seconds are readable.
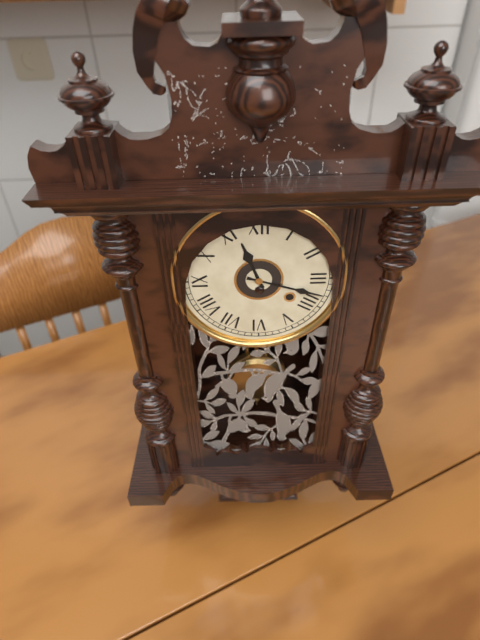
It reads 11,18
